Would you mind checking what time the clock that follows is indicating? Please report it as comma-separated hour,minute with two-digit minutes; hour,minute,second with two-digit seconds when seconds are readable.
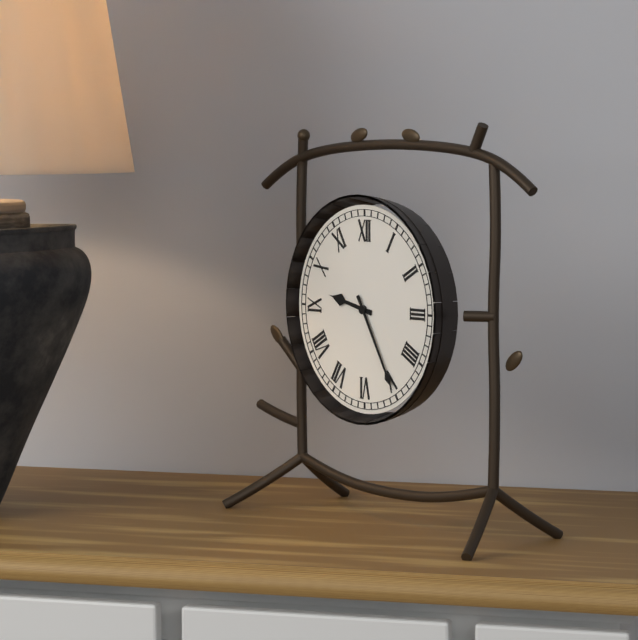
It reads 9,25
